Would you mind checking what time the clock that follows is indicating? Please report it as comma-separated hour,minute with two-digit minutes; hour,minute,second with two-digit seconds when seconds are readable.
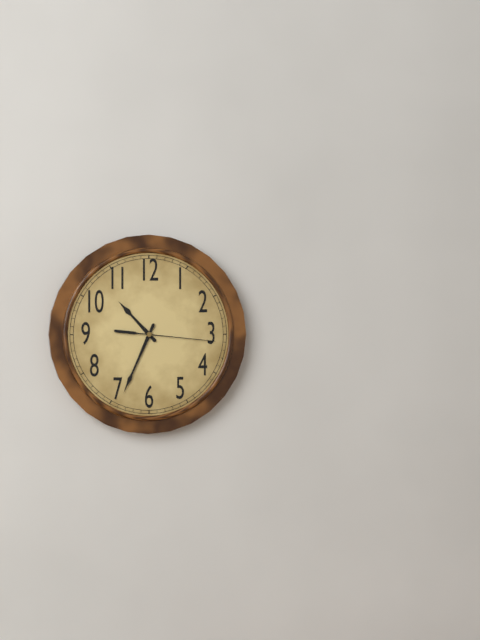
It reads 10,34,16
